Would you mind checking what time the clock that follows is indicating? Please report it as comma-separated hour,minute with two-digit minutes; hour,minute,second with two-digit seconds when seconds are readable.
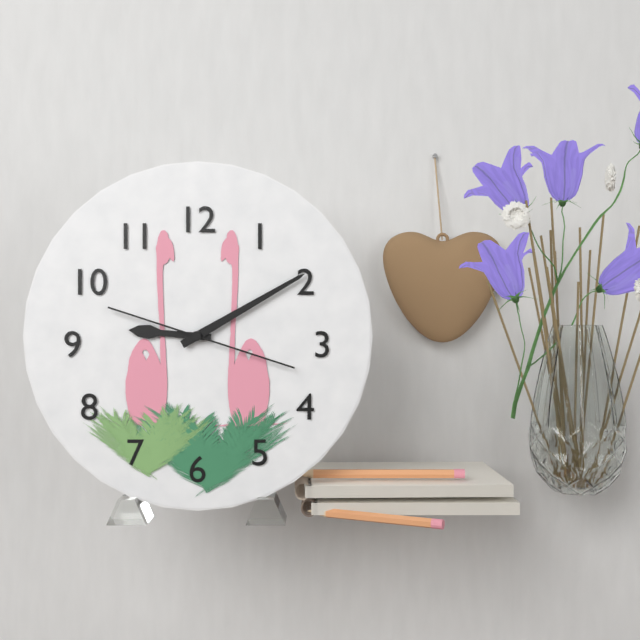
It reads 9,10,18
